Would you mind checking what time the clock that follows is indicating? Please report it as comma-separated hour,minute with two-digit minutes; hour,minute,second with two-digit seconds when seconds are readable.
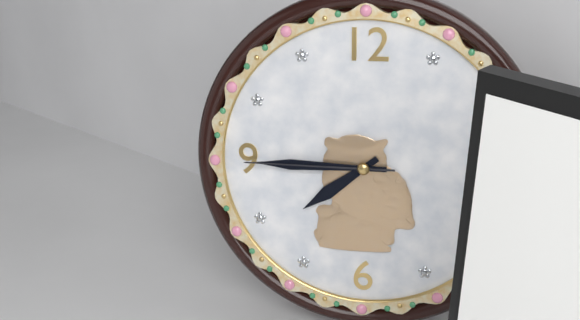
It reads 7,45,45
